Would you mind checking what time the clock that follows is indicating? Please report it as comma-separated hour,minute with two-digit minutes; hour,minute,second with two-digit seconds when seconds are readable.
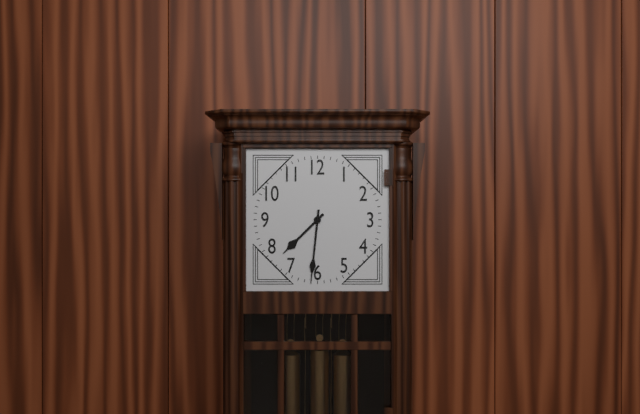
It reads 7,31
